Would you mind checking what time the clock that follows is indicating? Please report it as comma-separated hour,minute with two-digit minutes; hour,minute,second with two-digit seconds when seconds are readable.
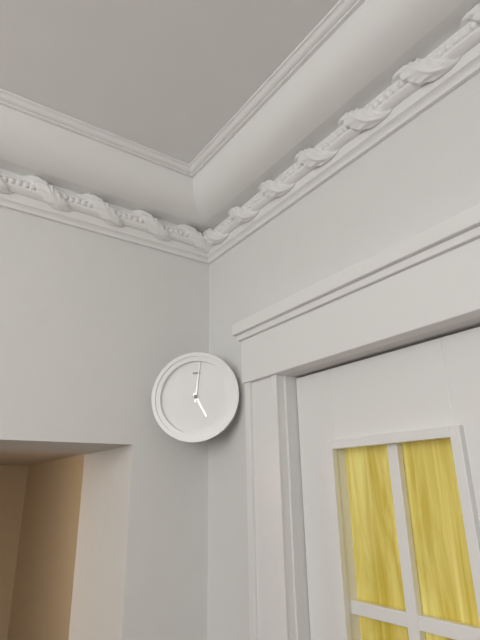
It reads 5,01
